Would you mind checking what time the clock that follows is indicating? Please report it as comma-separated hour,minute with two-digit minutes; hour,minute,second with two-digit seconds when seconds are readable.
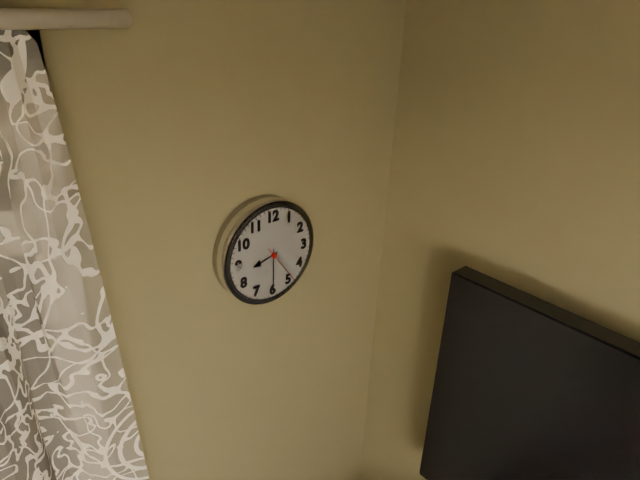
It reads 8,30
